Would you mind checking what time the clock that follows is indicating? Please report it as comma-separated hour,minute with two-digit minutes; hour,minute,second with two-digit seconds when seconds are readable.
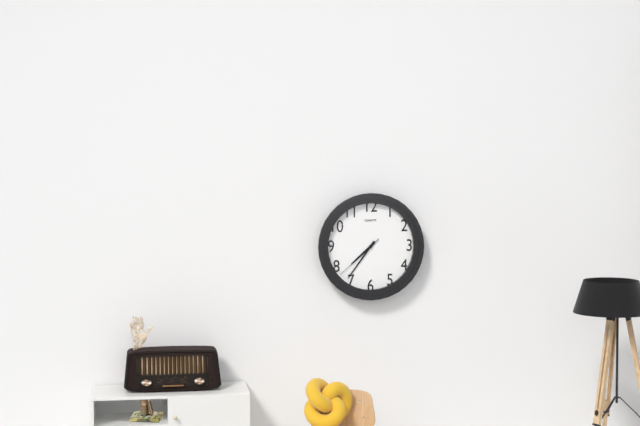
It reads 7,36,38
